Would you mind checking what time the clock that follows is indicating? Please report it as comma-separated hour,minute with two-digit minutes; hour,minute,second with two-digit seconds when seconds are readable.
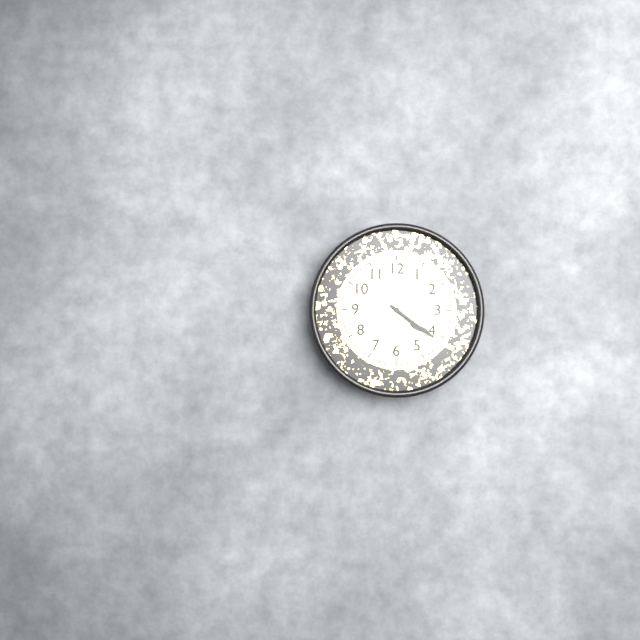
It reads 4,21
